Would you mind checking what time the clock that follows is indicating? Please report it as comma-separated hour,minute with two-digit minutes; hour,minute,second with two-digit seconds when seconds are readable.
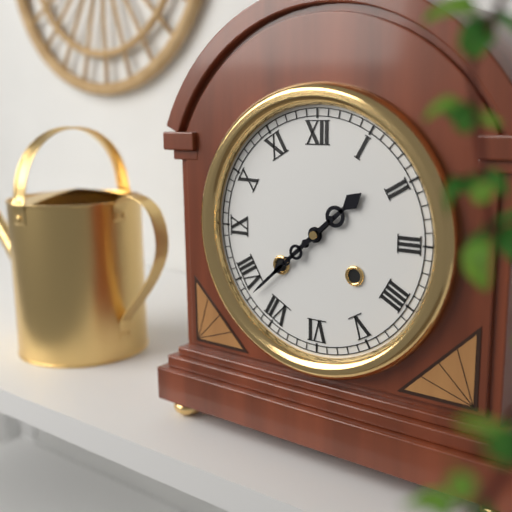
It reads 1,38
